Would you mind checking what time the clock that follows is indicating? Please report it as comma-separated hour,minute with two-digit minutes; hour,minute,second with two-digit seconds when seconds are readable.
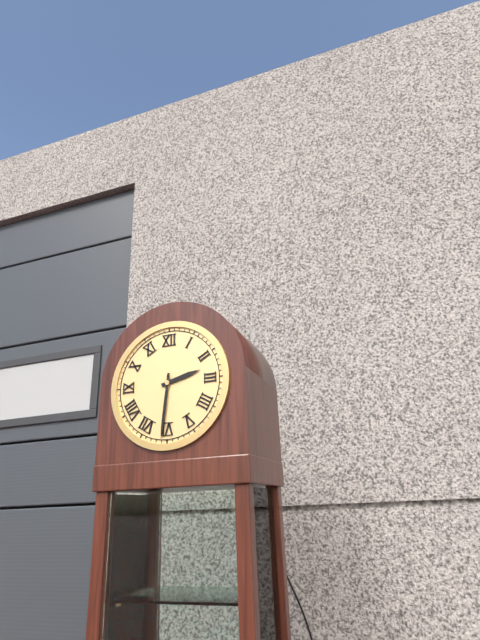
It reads 2,31
